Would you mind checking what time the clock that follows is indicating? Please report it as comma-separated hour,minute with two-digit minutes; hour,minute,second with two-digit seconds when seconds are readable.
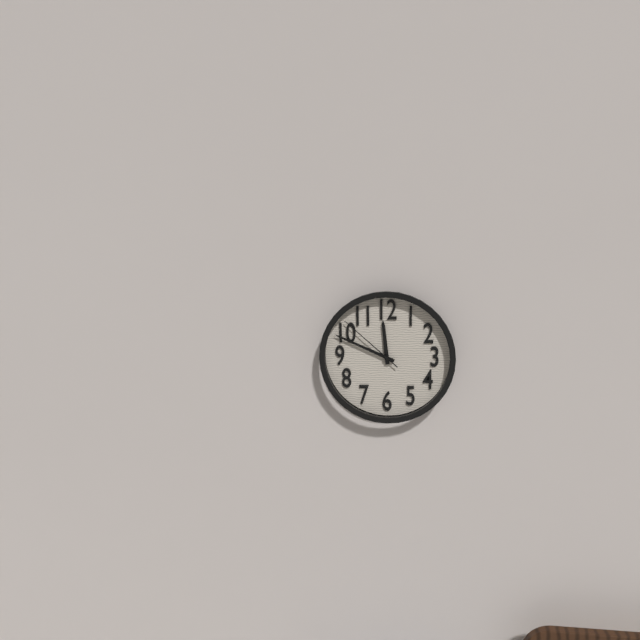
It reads 11,49,52
